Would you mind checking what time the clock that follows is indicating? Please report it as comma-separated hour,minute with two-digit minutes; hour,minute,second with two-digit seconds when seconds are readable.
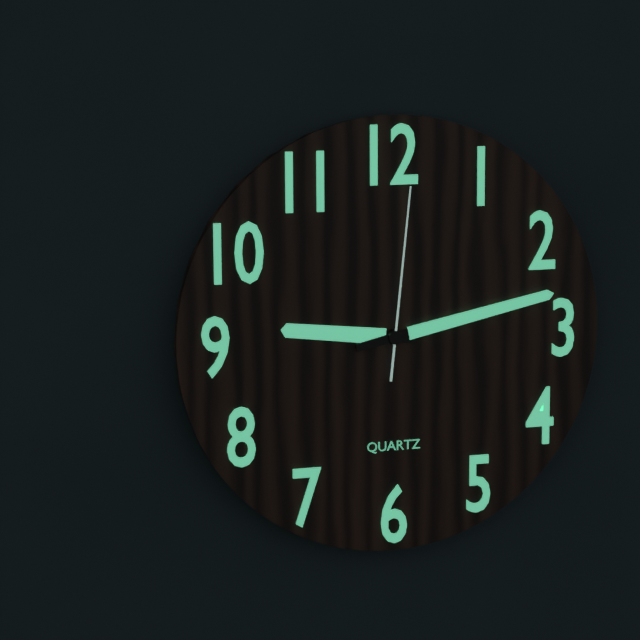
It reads 9,13,01
